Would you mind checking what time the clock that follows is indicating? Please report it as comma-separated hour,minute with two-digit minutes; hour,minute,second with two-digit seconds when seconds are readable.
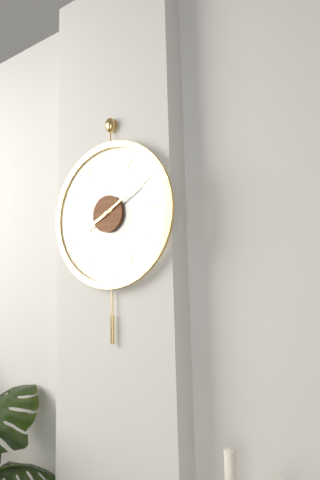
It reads 8,10
